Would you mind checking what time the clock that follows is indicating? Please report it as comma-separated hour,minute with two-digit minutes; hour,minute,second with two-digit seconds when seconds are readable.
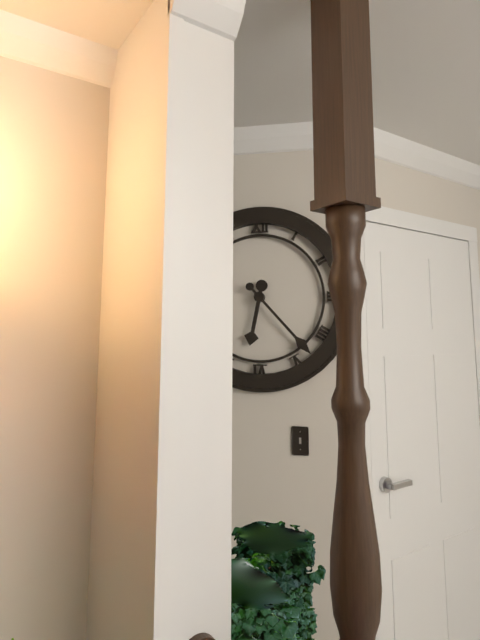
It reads 6,23
